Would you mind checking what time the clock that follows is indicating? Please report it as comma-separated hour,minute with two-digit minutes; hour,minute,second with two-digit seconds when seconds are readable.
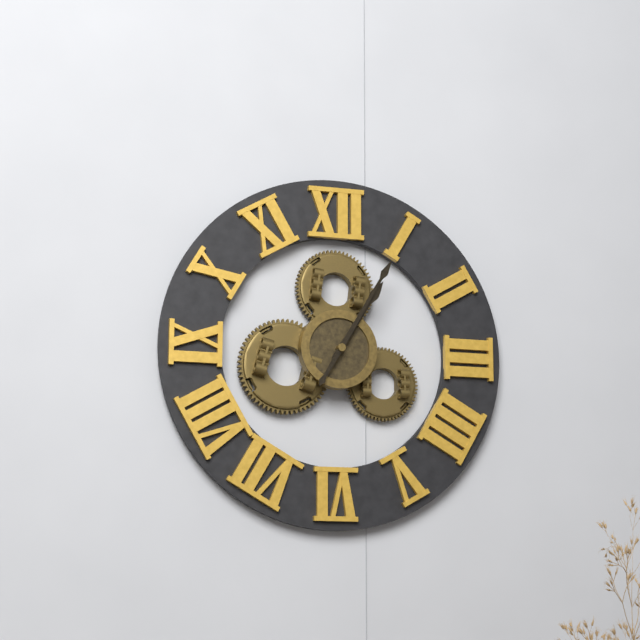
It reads 1,05
